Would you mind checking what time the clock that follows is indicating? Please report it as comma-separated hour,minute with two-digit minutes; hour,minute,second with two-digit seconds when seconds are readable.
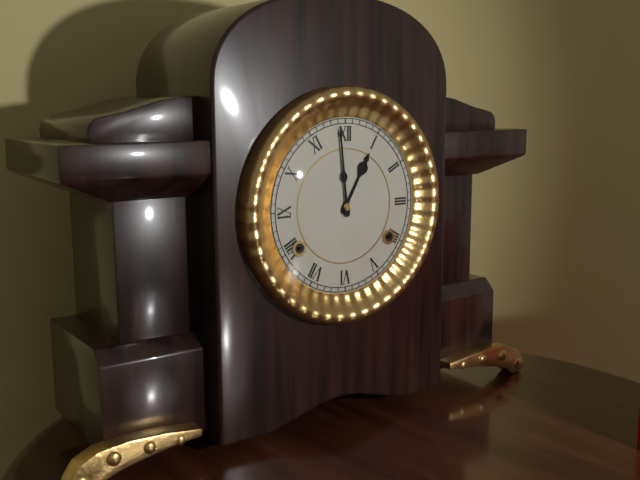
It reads 12,59
